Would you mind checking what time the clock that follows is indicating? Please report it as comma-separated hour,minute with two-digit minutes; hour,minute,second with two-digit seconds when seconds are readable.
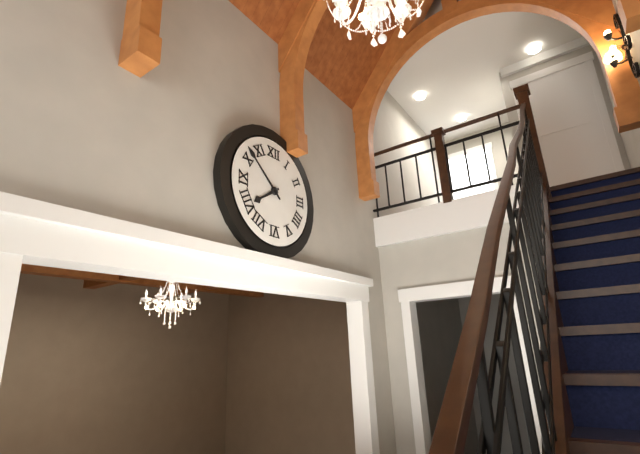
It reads 7,52
